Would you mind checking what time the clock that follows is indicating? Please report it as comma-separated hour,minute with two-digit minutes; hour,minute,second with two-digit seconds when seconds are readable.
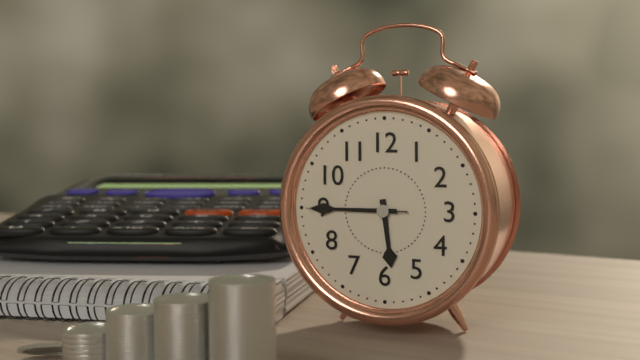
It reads 5,45,45
